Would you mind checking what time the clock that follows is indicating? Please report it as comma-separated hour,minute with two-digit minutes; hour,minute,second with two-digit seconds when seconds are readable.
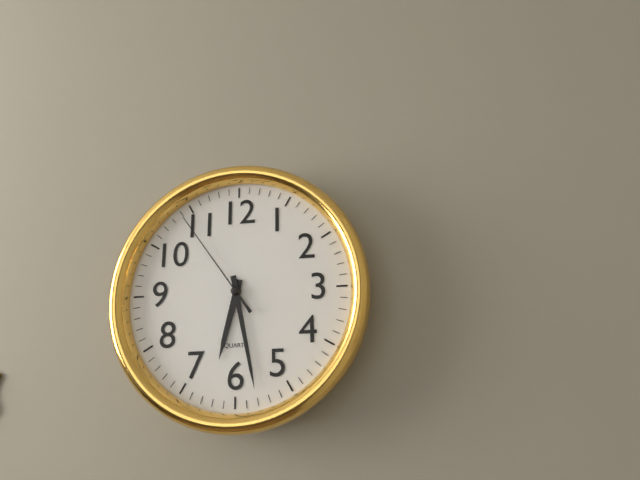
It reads 6,28,54
